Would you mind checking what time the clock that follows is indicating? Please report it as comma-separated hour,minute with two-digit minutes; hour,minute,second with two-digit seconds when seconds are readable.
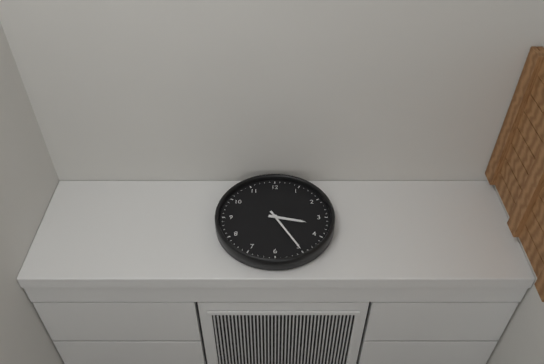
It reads 3,25
